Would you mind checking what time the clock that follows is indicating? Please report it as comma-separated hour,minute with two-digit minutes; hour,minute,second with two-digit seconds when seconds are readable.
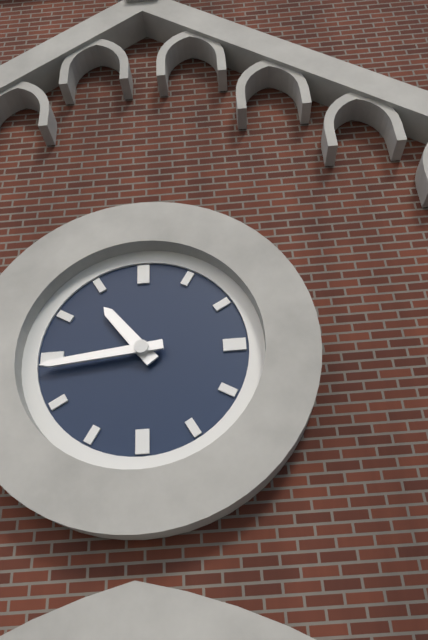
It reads 10,44
